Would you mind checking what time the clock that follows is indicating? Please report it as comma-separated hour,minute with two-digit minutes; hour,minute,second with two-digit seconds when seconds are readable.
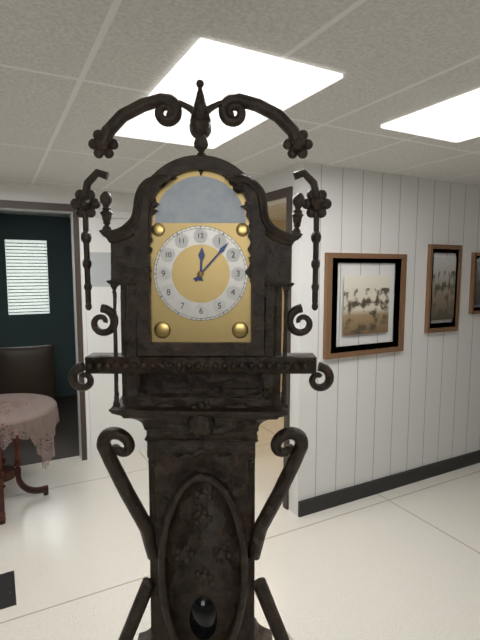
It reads 12,07
